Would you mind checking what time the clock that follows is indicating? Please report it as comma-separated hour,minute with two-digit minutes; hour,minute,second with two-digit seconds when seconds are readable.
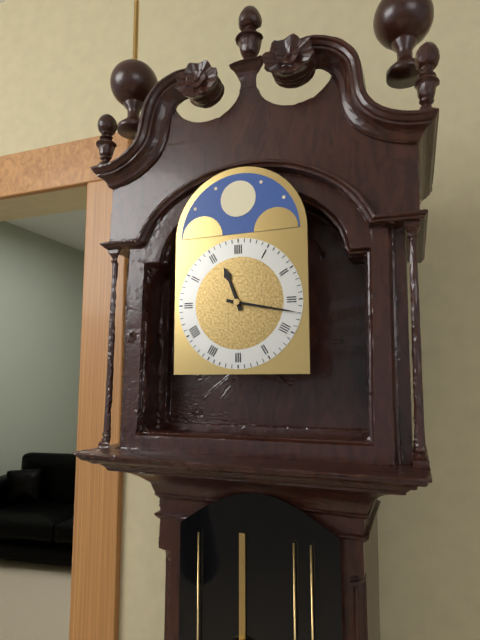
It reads 11,17
